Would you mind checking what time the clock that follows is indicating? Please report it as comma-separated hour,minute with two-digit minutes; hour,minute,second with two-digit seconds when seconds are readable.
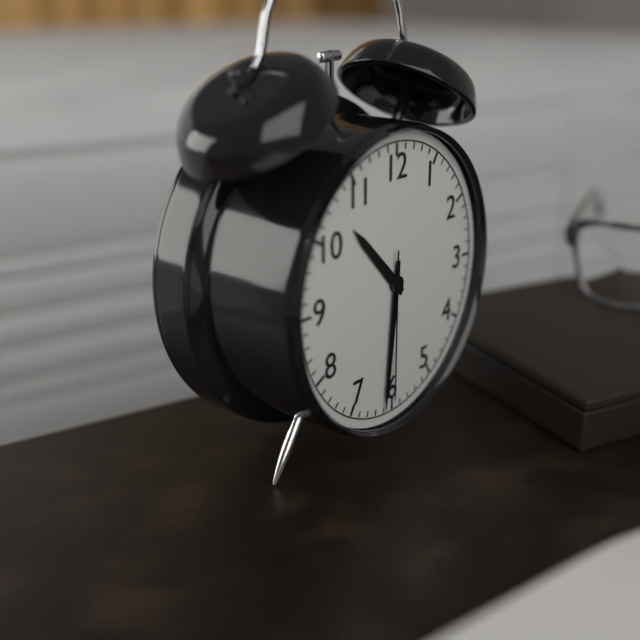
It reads 10,31,30
